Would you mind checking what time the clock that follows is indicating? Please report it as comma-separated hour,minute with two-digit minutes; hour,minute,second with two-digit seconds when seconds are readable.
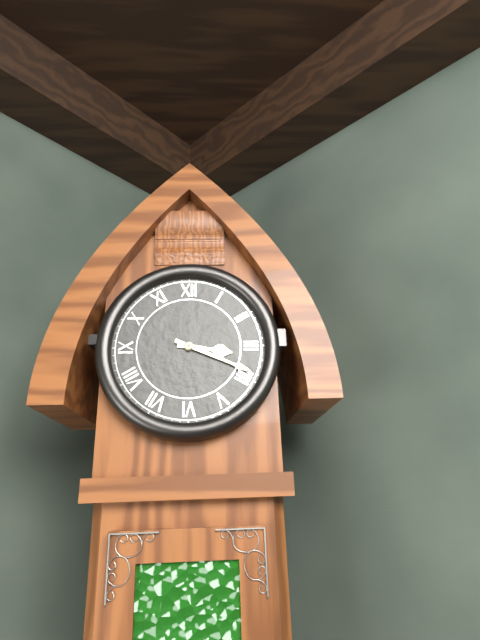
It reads 3,19
